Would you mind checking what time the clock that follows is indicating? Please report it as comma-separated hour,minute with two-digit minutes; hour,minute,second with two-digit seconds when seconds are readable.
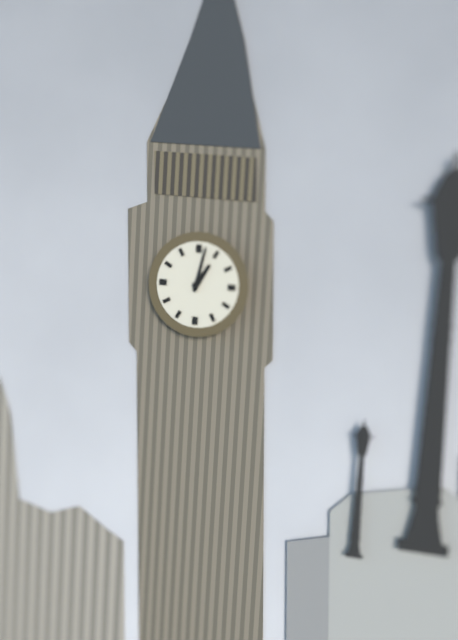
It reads 1,02
